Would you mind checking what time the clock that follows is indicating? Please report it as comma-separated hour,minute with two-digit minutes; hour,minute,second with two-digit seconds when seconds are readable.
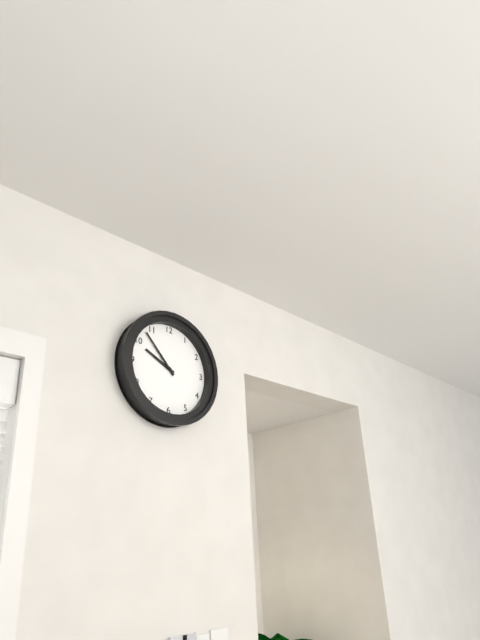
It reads 9,53
